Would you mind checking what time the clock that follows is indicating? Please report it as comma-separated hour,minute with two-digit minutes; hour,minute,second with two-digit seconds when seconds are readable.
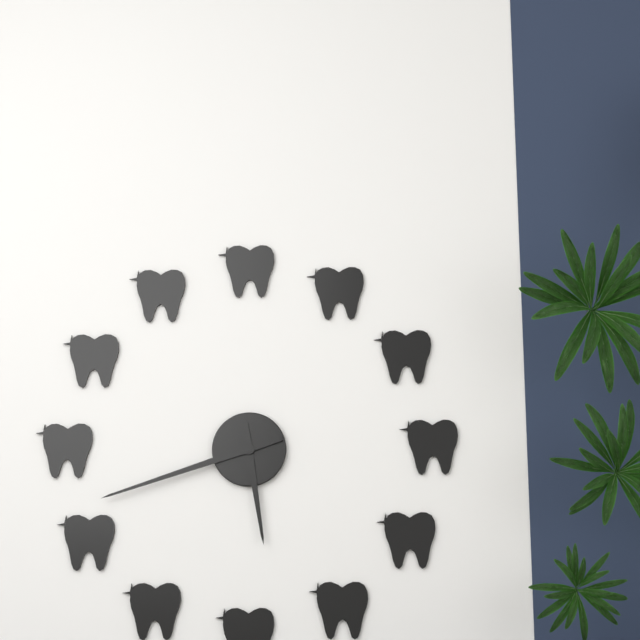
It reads 5,42
